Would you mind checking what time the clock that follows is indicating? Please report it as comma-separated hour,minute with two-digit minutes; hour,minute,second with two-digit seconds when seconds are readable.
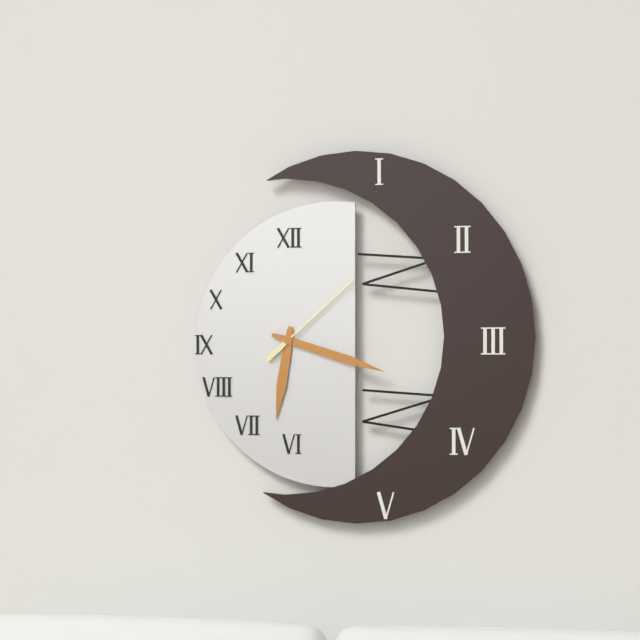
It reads 6,18,08
